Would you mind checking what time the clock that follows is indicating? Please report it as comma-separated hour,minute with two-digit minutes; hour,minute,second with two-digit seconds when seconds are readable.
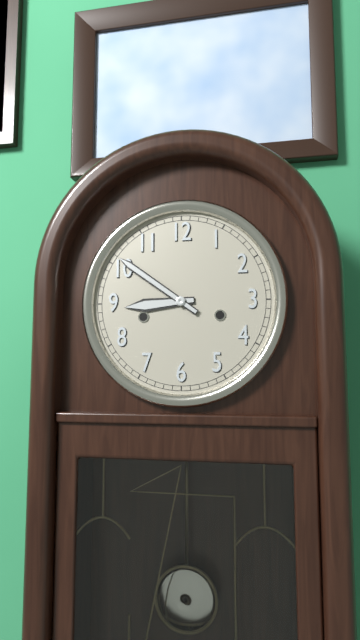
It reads 8,51
